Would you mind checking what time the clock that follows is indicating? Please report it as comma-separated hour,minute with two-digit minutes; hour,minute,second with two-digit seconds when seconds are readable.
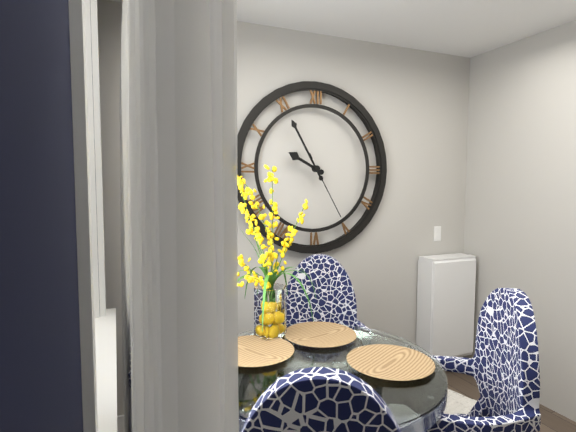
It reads 9,55,25
